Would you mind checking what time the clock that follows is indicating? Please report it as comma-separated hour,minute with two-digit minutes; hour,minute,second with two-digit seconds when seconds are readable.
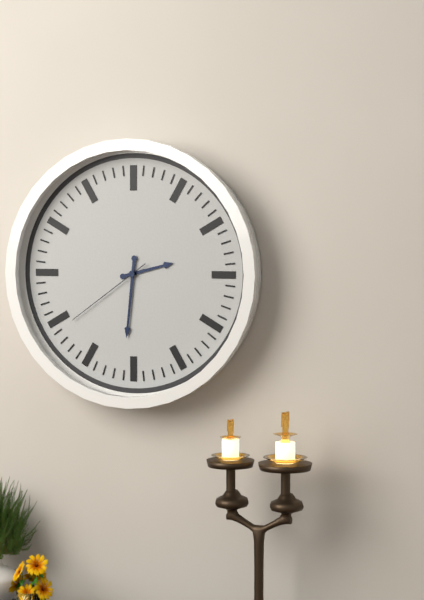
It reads 2,31,39
